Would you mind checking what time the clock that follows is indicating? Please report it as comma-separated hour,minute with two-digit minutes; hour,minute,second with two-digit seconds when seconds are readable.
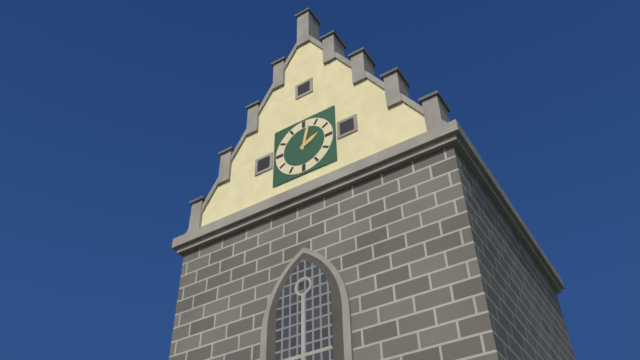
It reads 2,02
